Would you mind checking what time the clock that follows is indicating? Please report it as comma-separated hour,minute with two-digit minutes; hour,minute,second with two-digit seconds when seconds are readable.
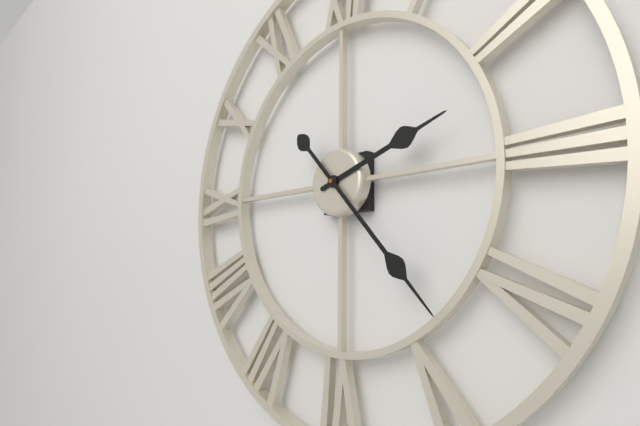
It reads 2,23
